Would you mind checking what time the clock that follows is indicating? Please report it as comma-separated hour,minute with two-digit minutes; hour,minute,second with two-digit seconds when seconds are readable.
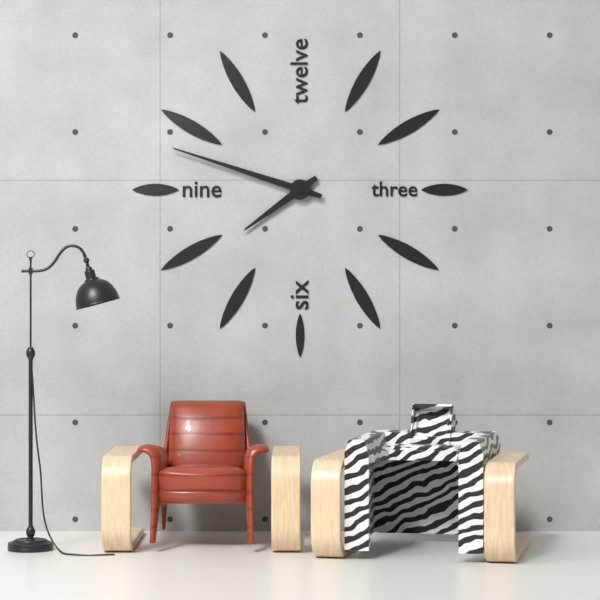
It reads 7,48
